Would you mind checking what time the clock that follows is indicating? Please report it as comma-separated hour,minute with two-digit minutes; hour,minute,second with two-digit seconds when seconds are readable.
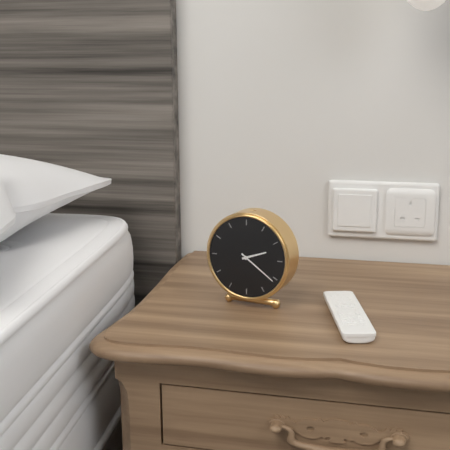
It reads 2,21
